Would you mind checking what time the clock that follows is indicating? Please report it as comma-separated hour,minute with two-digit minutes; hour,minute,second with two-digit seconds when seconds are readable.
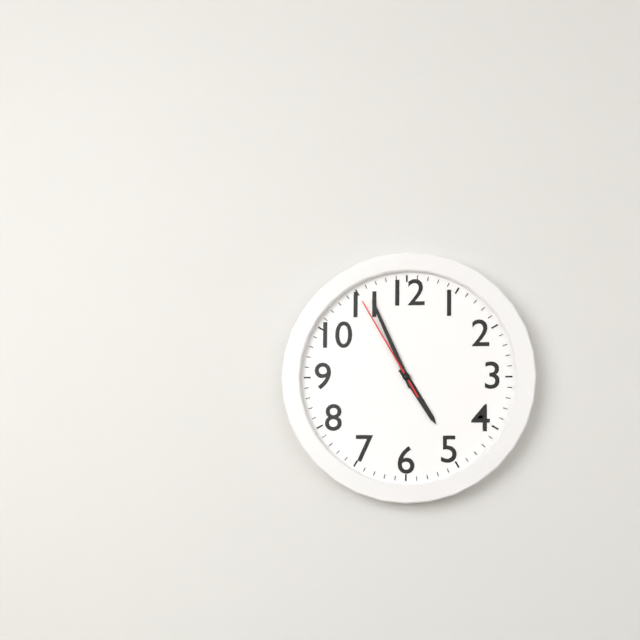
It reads 4,56,55
